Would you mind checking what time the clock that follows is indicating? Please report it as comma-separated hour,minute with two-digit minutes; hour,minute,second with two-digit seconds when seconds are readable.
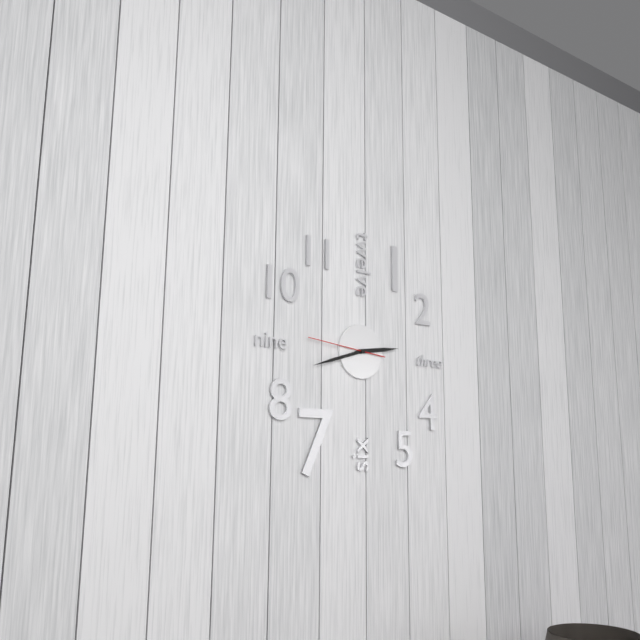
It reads 2,42,46
